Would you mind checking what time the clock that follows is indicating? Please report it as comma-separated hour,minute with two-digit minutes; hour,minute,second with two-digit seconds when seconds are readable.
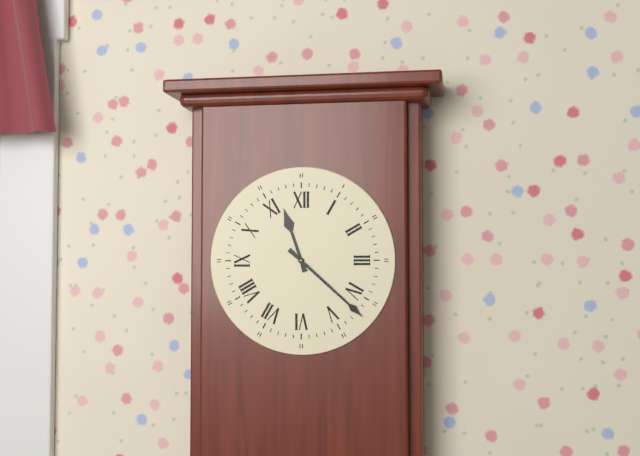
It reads 11,22
